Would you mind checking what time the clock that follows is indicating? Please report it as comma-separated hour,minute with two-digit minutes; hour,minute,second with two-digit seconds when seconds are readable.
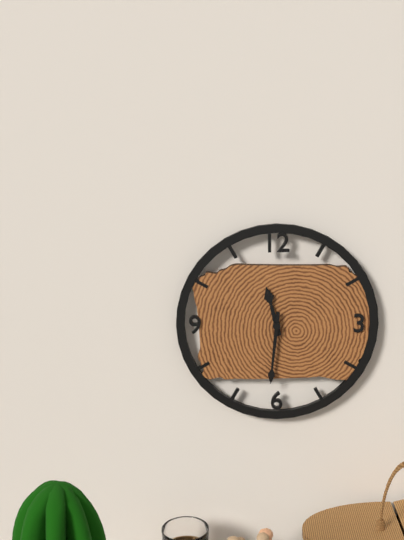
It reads 11,31
